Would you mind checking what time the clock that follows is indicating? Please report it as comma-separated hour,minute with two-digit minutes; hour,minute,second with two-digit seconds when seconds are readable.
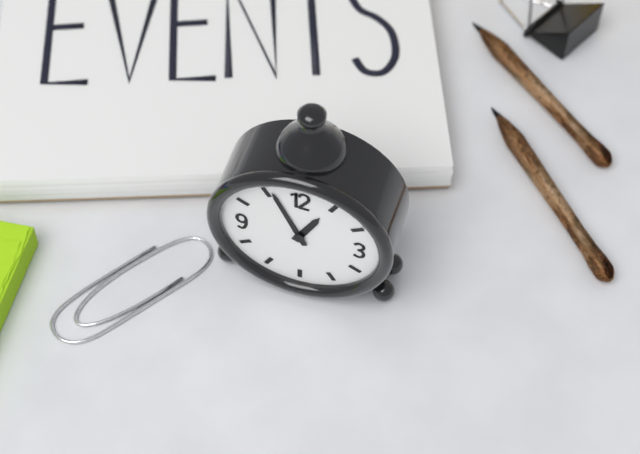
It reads 12,56
